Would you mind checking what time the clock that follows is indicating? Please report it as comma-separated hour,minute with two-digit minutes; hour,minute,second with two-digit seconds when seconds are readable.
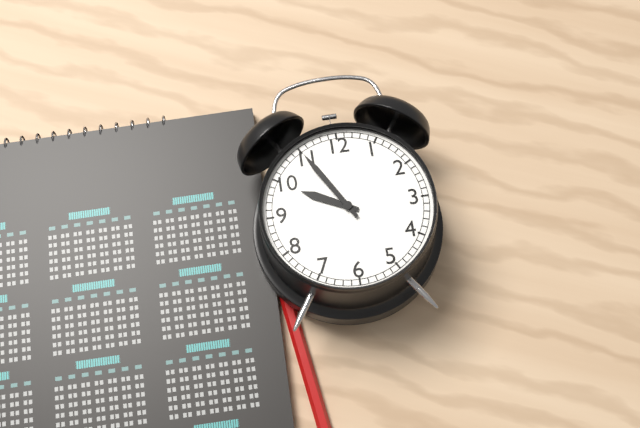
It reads 9,55
